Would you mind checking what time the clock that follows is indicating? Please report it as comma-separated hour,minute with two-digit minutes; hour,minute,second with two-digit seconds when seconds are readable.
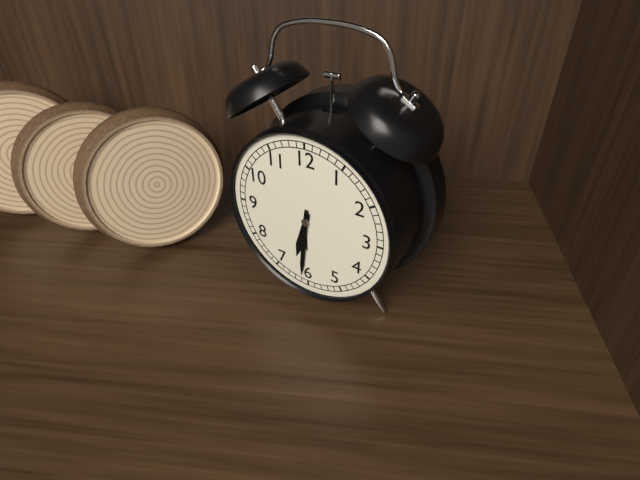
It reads 6,31
